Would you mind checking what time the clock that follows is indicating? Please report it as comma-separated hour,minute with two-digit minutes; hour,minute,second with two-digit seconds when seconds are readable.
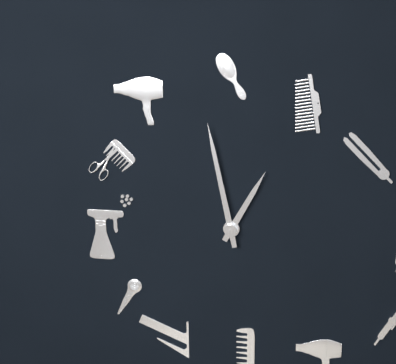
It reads 12,58
